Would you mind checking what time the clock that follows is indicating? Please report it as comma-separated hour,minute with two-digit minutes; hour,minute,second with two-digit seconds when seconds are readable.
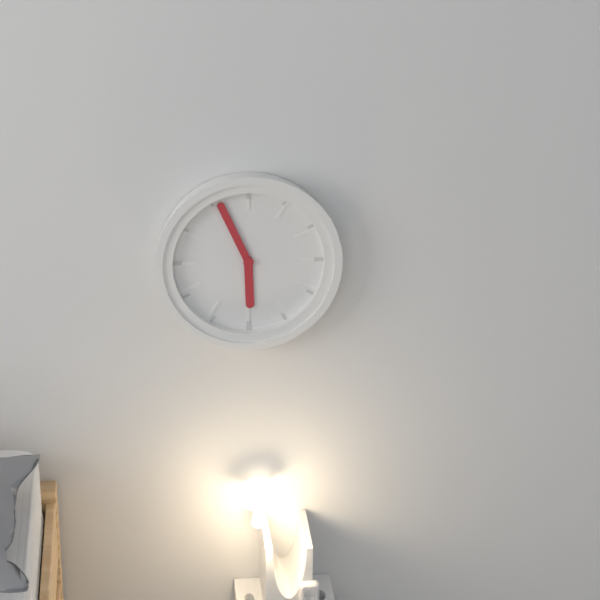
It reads 5,56
